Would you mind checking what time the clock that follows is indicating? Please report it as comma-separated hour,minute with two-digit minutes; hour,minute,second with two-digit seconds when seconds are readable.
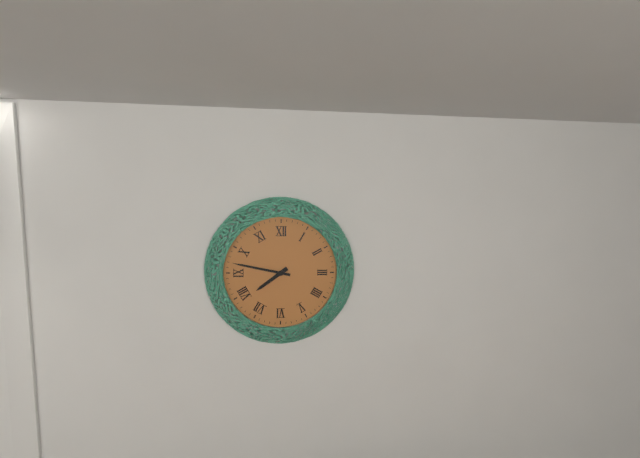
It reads 7,47
